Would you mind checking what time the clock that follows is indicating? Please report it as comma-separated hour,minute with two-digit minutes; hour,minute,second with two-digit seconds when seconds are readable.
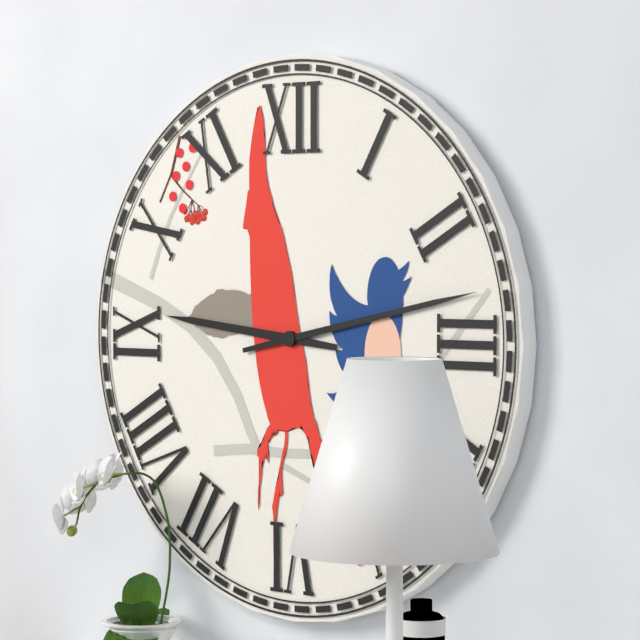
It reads 9,13
